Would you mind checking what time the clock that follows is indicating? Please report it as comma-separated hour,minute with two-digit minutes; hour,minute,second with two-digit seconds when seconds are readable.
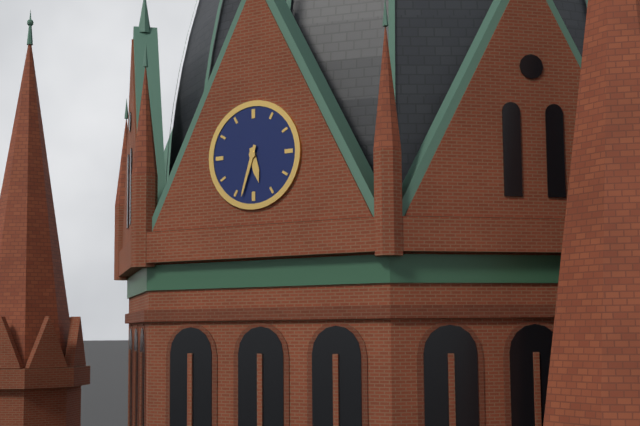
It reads 5,33
